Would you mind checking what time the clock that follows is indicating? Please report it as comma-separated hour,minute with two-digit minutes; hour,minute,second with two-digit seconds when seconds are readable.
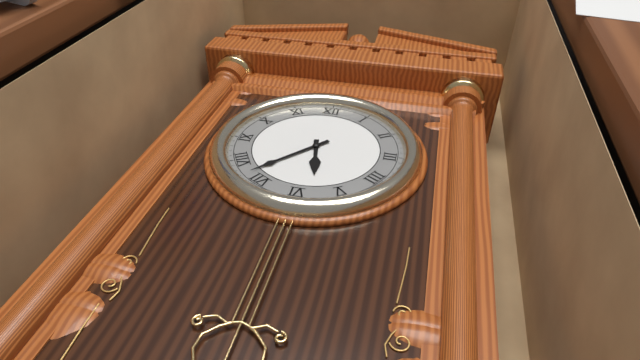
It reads 5,37
